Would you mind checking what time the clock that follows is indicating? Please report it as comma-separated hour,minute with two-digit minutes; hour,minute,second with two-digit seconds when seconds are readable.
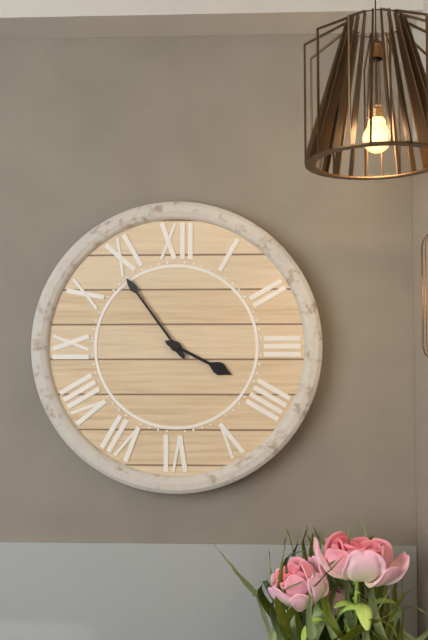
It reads 3,54
